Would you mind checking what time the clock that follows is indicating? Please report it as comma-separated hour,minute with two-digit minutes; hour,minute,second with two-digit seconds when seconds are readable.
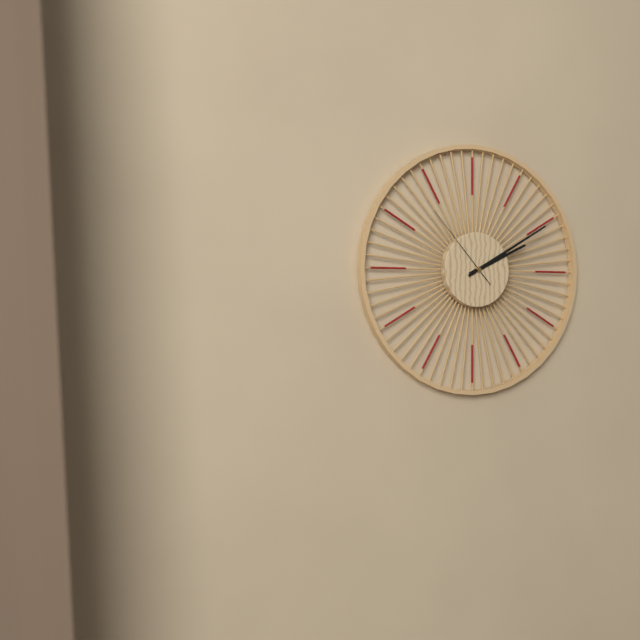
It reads 2,10,53
